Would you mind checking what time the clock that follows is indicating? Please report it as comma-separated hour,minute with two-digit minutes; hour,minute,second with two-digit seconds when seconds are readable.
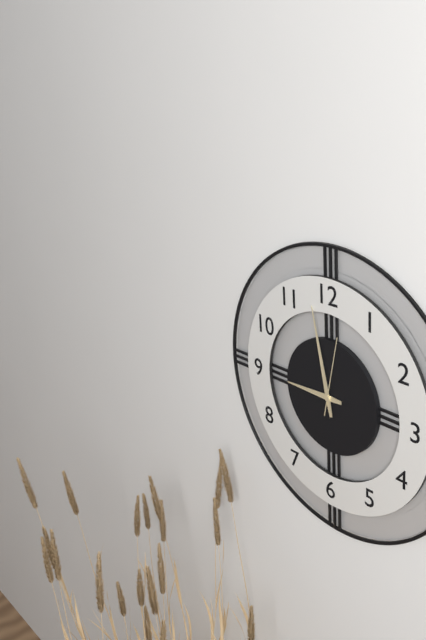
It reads 8,58,02
